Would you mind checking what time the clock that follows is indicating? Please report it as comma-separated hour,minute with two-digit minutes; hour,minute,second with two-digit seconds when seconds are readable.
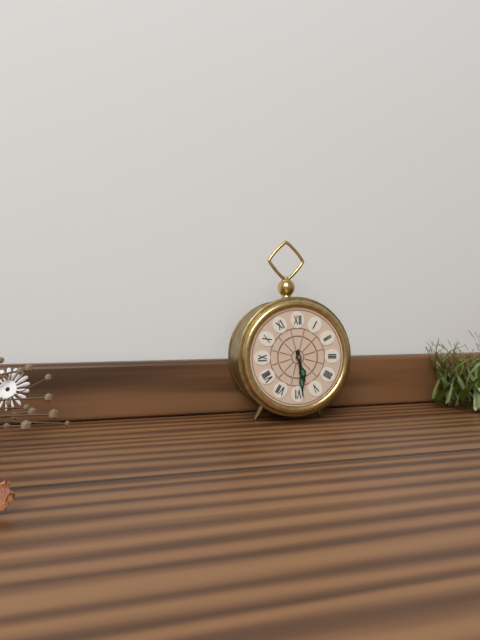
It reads 5,29
